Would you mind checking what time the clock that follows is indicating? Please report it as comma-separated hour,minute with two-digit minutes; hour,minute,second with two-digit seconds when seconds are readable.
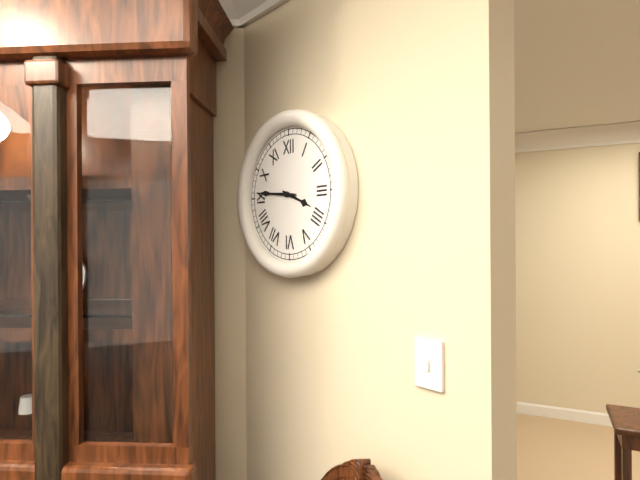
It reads 3,46
